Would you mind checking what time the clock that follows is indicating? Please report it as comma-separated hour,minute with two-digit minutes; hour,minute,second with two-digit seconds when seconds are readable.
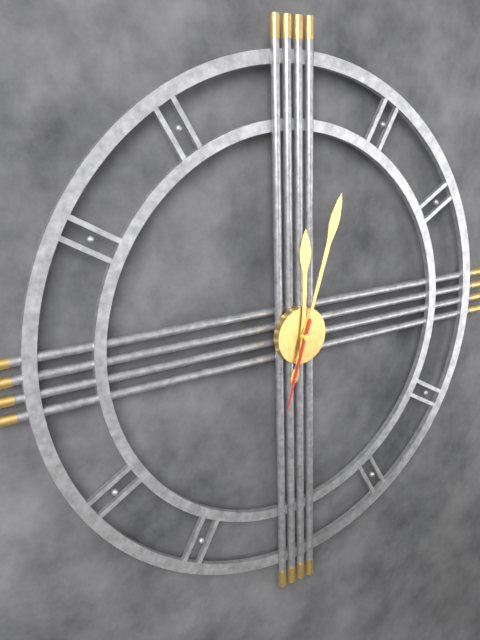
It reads 12,03,33
